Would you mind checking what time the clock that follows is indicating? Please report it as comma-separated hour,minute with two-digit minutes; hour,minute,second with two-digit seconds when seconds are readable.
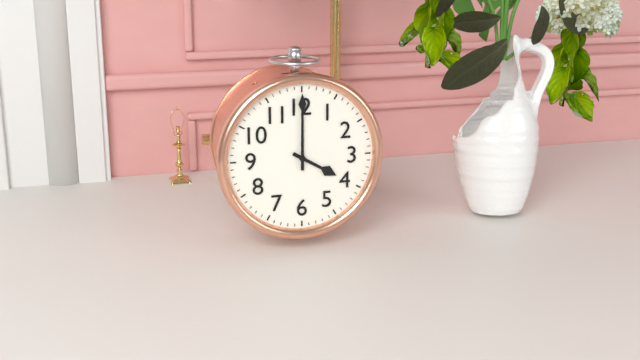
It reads 4,00
